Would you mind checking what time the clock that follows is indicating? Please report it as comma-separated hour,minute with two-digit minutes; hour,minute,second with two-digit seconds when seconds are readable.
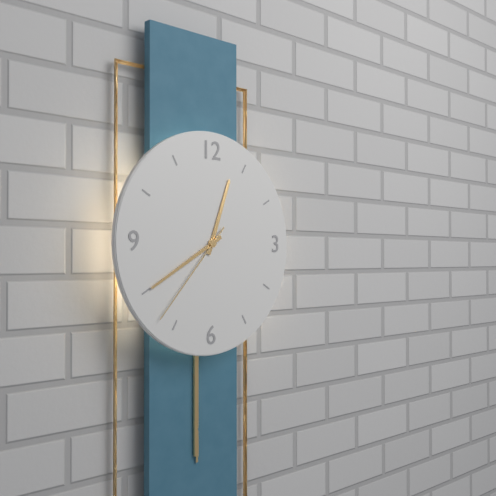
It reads 12,40,37
